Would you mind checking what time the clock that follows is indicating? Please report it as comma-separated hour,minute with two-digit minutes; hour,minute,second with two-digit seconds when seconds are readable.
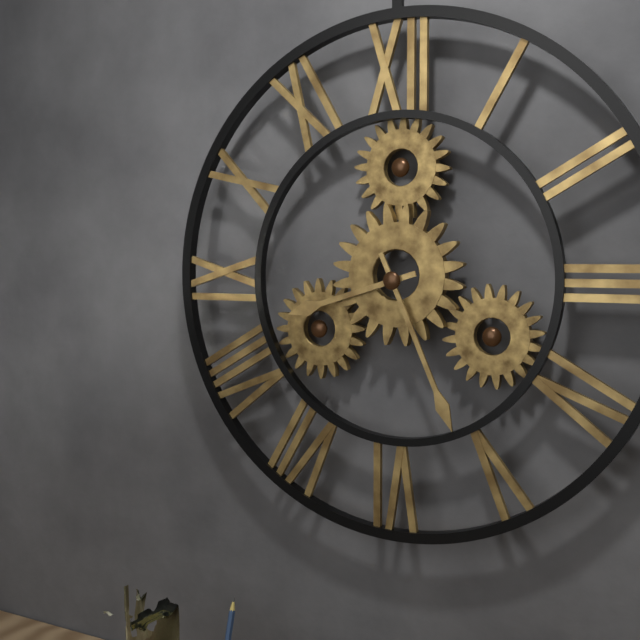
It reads 8,26
